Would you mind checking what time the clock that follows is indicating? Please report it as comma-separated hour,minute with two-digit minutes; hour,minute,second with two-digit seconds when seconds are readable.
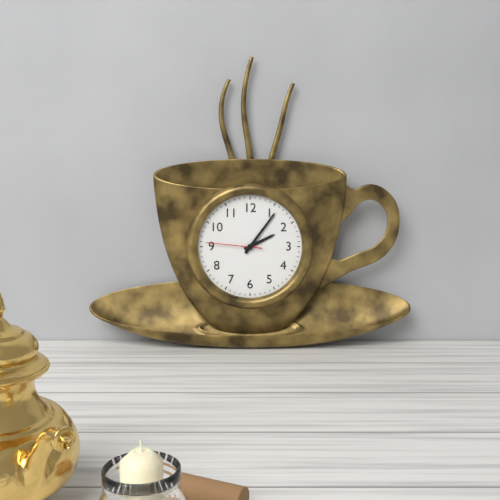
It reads 2,06,46
